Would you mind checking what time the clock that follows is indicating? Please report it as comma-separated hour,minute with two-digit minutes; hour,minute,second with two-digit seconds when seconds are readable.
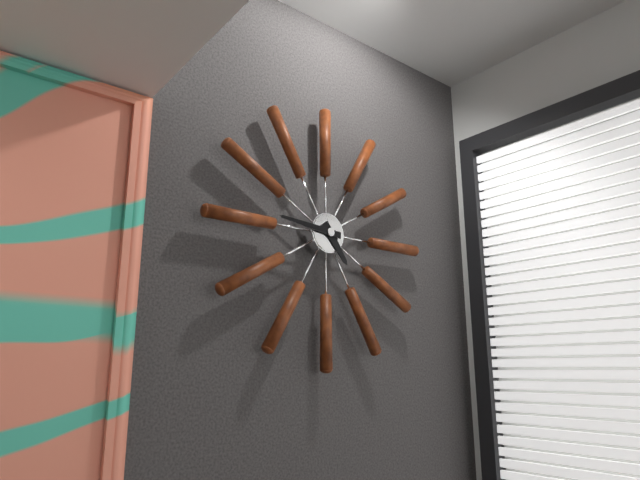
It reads 4,46
